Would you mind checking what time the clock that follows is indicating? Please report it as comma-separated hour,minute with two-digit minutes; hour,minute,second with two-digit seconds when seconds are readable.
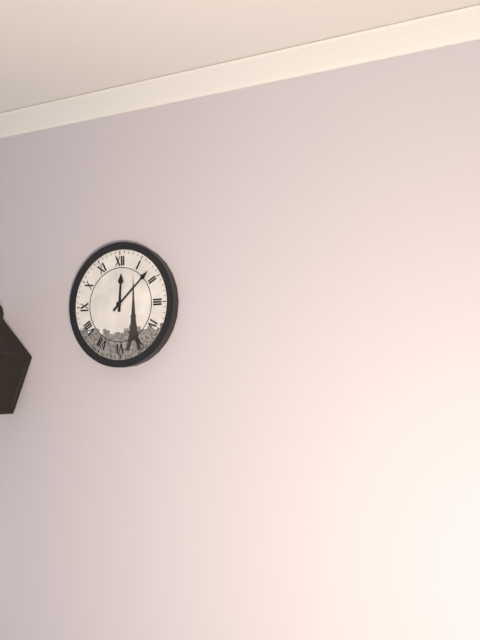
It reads 12,08
